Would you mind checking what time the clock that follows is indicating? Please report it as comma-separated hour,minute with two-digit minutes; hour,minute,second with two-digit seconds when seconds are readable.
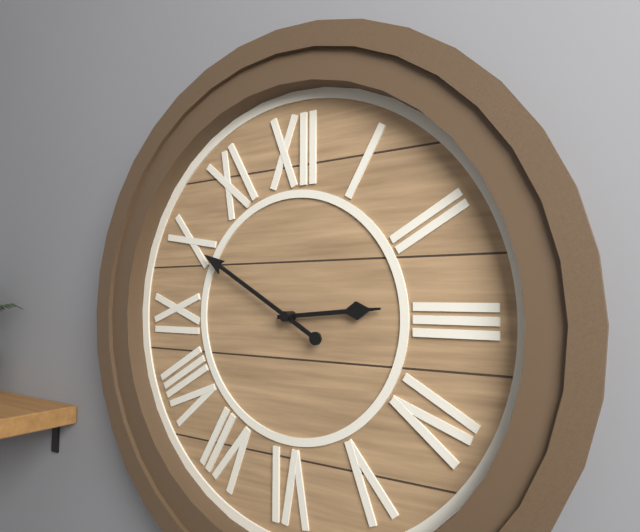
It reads 2,50
